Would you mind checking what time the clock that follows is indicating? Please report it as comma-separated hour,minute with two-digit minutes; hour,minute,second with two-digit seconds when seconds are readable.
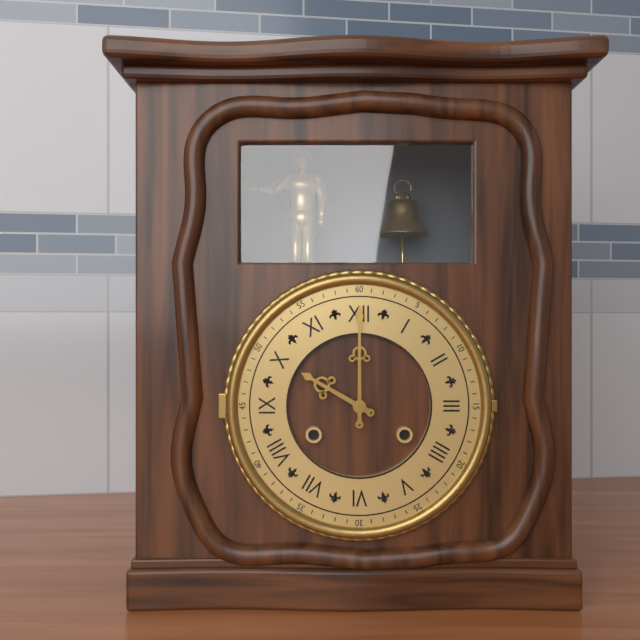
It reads 10,00
